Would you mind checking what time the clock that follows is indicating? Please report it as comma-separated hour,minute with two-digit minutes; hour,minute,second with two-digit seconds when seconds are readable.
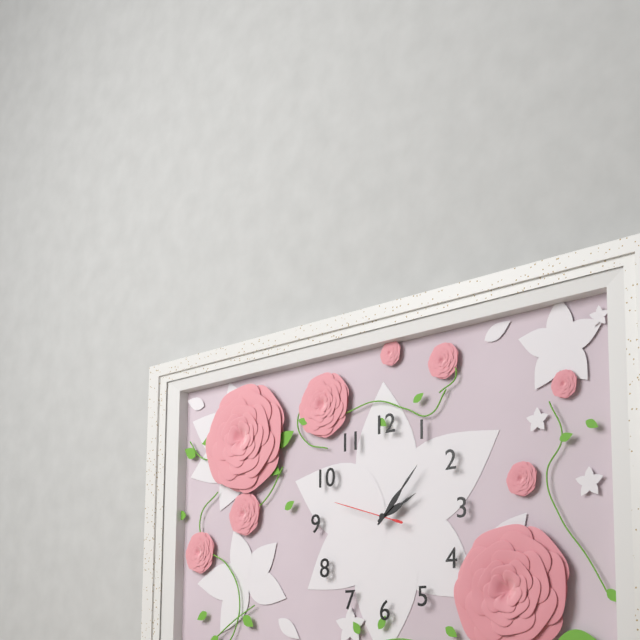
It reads 2,07,48
